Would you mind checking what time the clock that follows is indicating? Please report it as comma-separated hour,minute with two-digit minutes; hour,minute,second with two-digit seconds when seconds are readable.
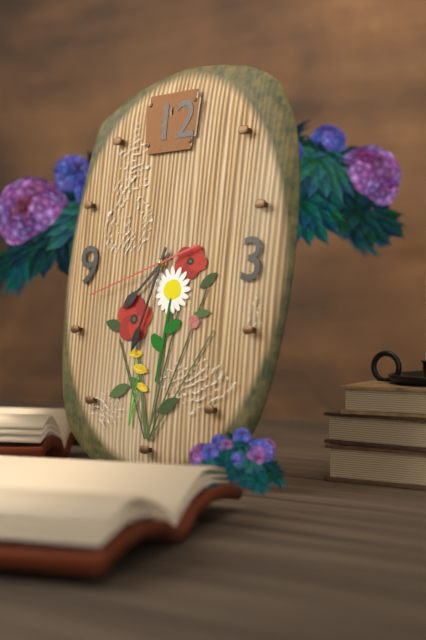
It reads 7,33,42
